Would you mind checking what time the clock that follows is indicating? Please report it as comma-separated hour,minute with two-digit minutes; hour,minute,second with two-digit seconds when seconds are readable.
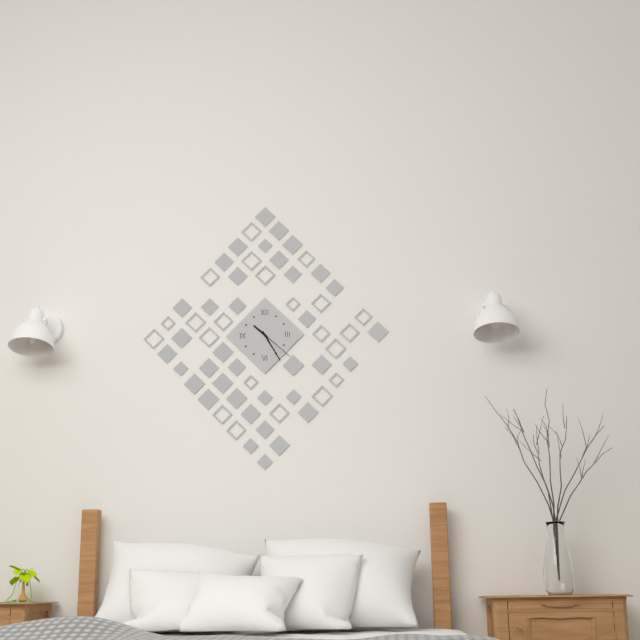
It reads 10,25
